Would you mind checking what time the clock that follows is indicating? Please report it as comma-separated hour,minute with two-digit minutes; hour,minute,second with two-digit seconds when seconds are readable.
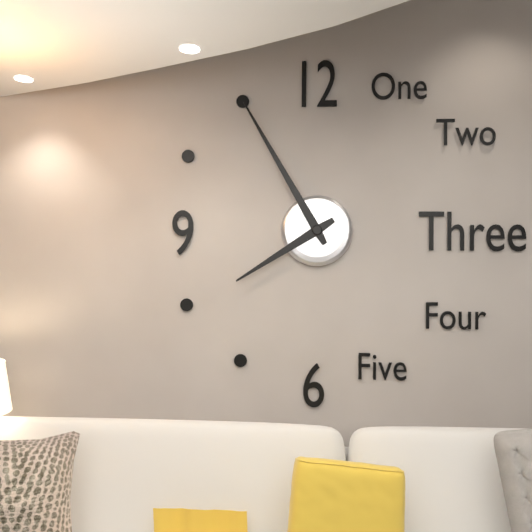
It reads 7,55
